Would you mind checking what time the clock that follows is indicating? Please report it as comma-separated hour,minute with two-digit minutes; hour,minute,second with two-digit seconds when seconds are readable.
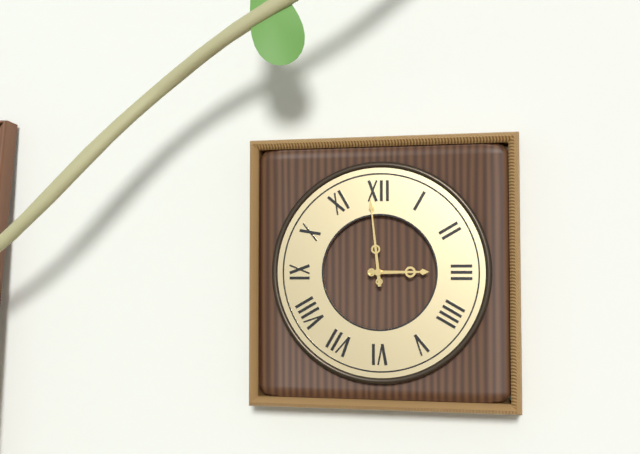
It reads 2,59
